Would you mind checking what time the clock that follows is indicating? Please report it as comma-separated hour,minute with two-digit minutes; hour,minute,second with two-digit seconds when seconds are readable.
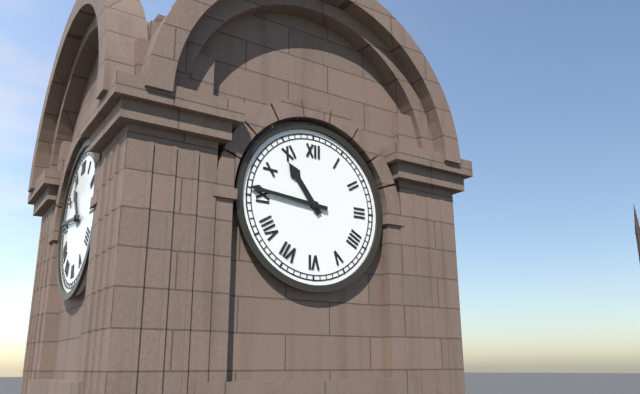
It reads 10,46
